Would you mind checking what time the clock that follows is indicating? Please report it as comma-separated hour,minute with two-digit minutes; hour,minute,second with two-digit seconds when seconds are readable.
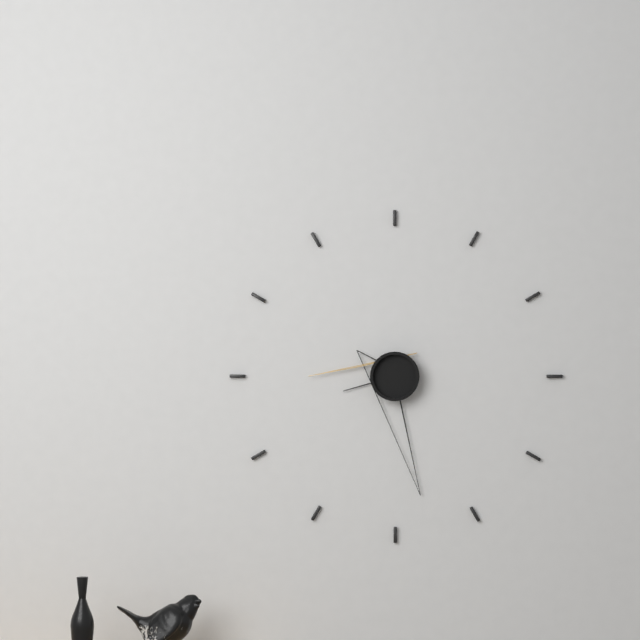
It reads 8,28,45
